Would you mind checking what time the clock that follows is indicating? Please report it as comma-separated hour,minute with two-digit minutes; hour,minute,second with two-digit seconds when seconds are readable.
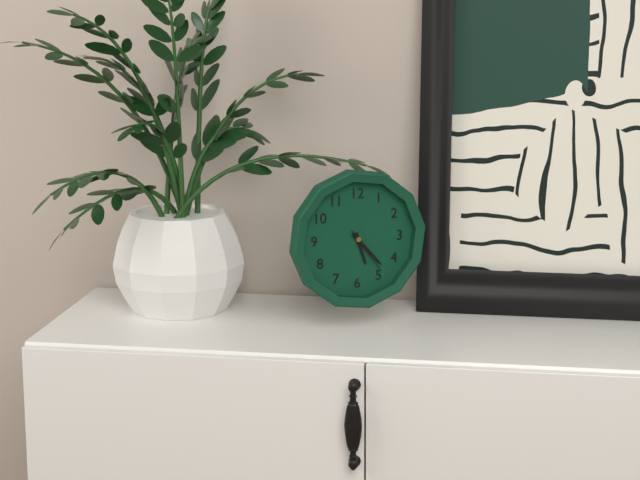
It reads 5,23
